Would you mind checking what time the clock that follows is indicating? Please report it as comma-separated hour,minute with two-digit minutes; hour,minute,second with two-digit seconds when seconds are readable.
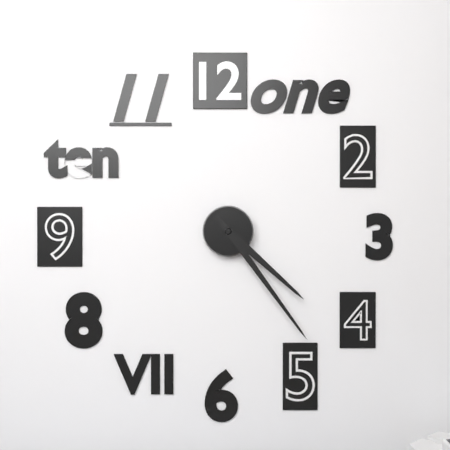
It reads 4,24
